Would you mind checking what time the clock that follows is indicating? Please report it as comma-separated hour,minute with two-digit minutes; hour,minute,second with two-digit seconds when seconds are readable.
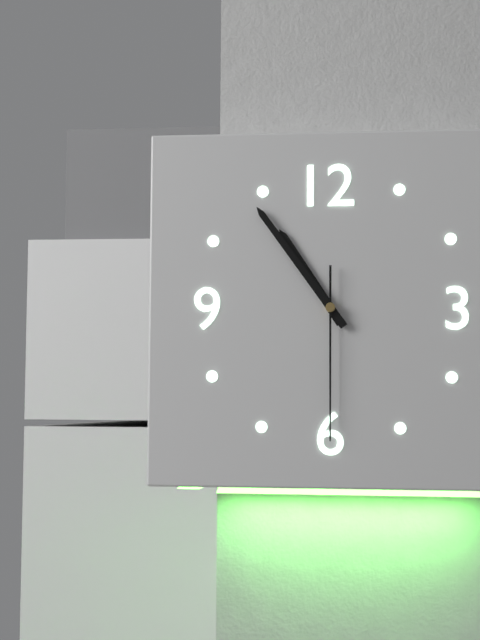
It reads 10,54,30
